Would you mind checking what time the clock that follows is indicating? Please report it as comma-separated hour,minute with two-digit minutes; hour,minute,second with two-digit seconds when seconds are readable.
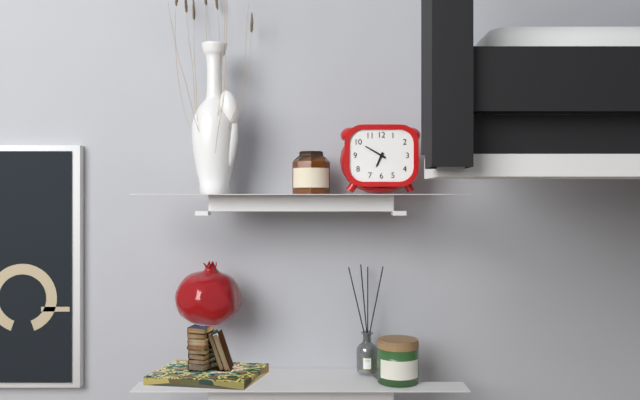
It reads 6,50
